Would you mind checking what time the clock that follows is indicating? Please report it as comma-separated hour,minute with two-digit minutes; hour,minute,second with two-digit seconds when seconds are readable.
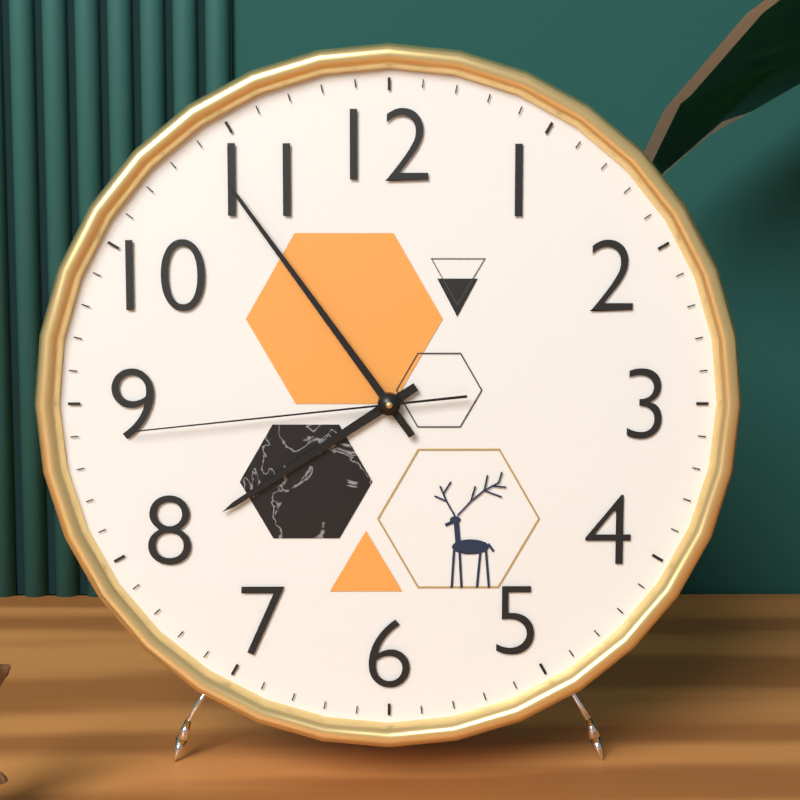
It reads 7,54,44
